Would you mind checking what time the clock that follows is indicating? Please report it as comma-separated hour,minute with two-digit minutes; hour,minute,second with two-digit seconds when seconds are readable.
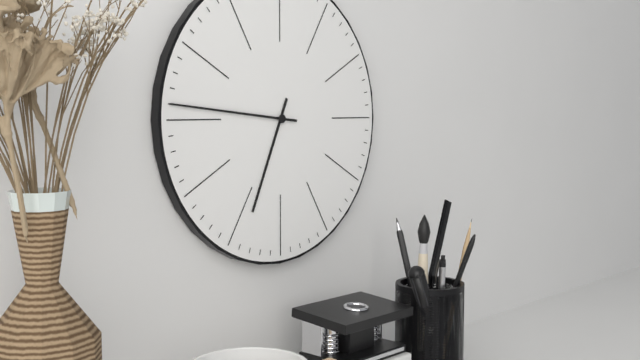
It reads 6,46
